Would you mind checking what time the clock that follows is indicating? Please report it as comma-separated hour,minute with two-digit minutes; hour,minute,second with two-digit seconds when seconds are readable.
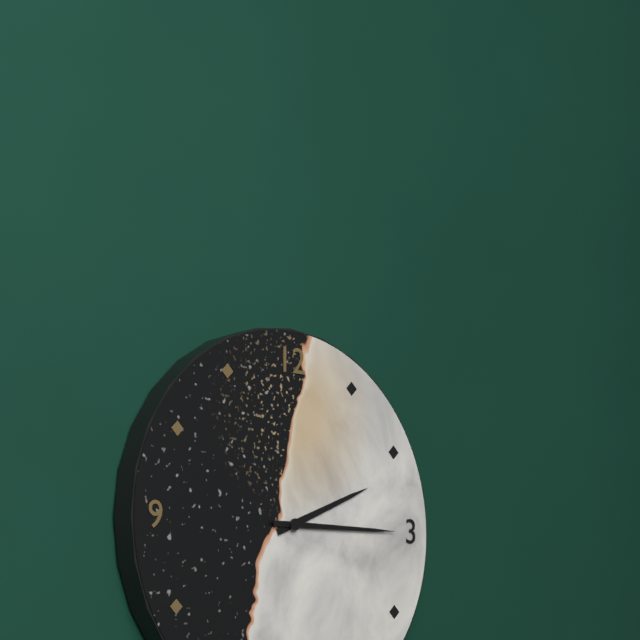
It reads 2,15
